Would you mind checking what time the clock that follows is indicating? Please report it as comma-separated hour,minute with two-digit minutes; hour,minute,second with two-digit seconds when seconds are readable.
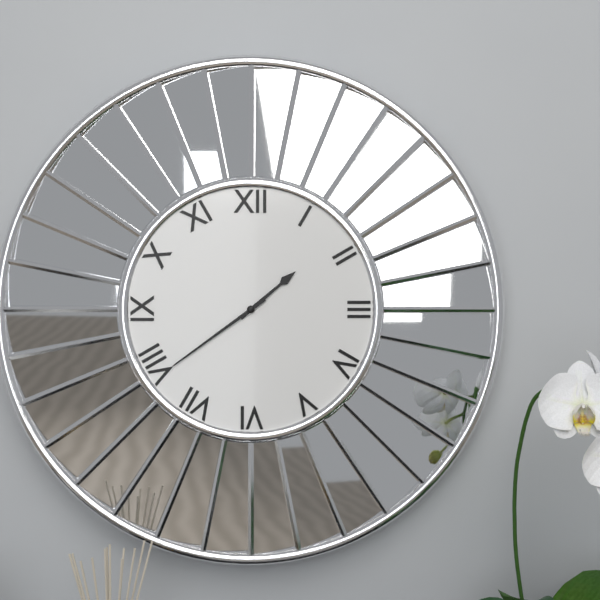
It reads 1,39
